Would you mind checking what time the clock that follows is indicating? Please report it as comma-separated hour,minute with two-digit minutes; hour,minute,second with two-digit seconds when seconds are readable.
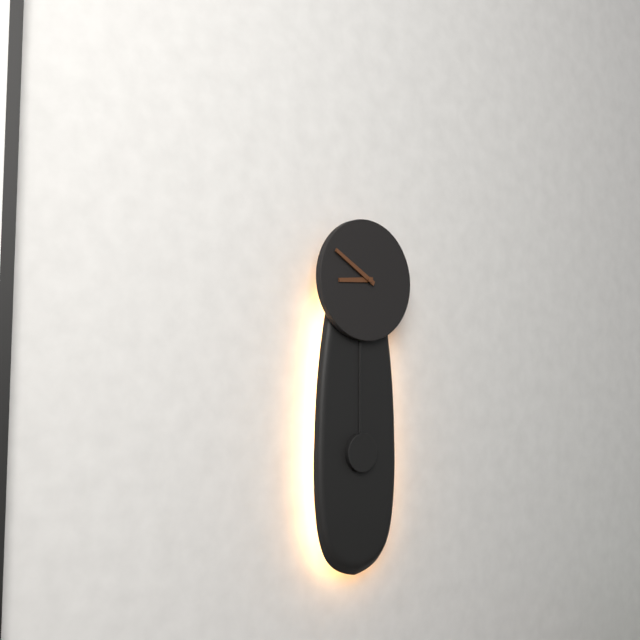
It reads 8,50
